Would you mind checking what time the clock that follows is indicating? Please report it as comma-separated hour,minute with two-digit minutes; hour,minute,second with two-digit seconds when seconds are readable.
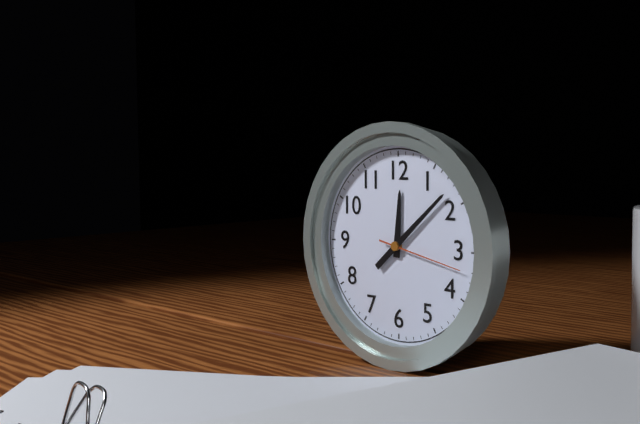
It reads 12,08,17
